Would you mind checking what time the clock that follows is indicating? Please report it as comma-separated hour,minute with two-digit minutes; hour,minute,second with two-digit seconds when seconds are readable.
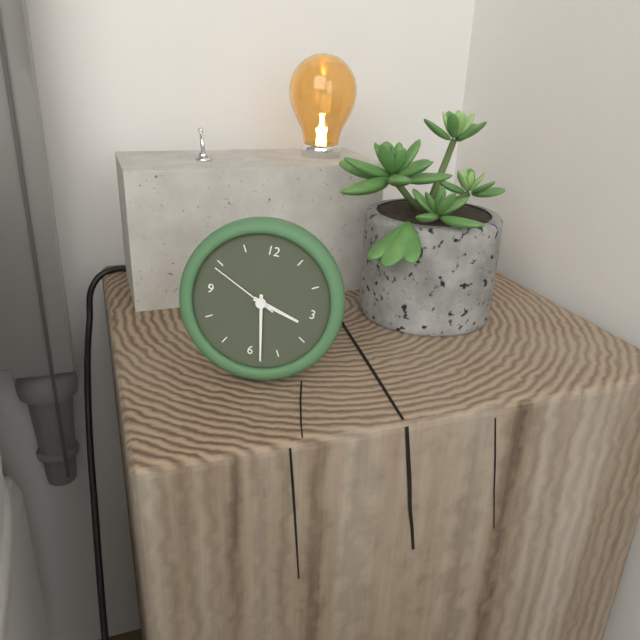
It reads 3,28,49
